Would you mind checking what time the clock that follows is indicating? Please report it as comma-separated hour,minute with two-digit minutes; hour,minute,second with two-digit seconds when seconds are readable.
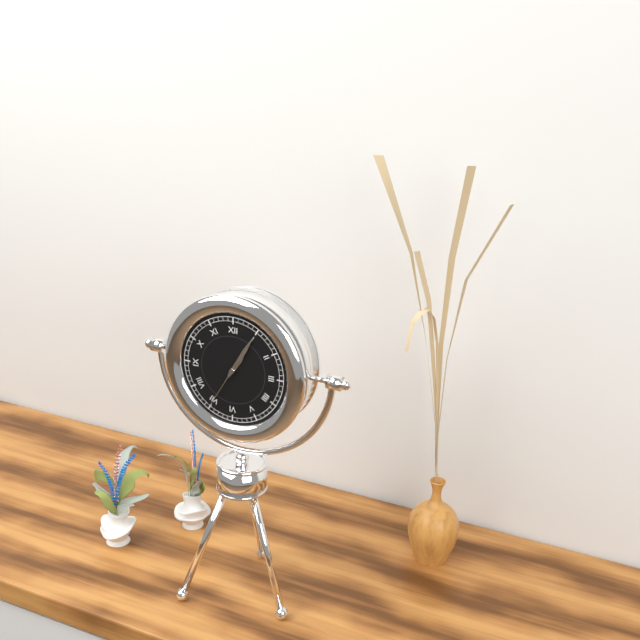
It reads 1,05,35
